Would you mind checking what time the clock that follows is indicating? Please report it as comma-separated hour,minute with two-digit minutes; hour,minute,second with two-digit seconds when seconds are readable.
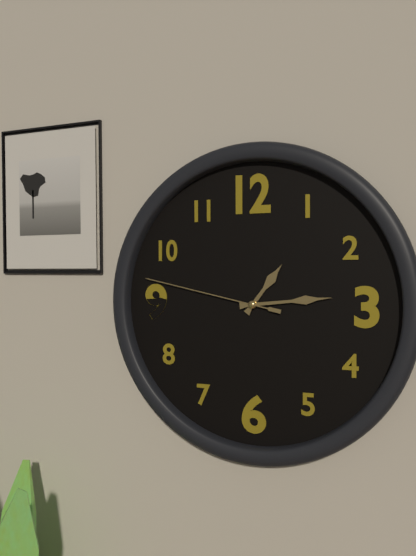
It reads 1,14,47
